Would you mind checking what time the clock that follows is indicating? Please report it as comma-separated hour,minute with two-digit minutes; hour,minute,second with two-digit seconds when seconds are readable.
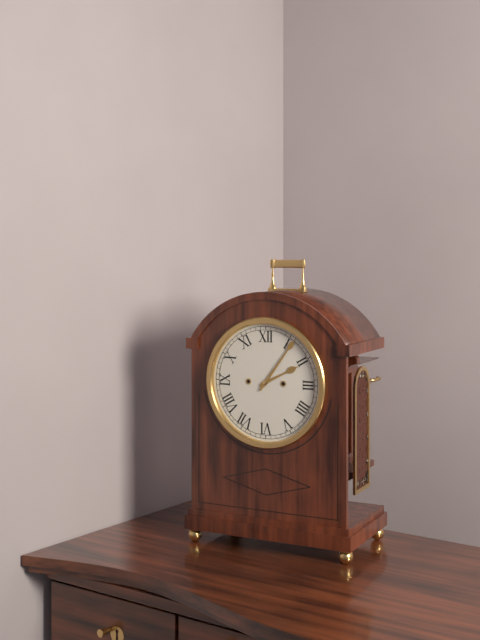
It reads 2,06
